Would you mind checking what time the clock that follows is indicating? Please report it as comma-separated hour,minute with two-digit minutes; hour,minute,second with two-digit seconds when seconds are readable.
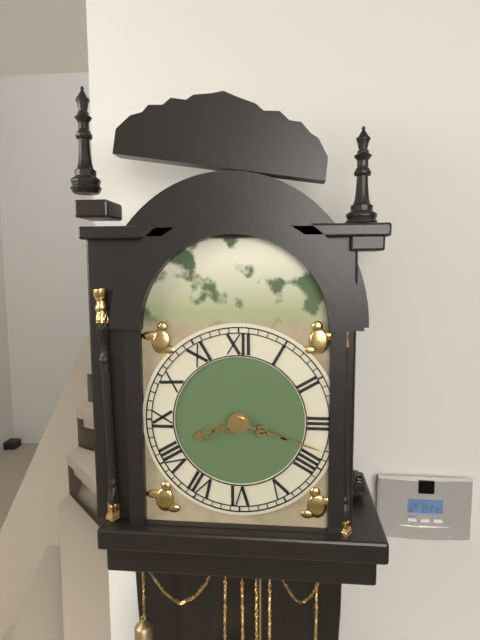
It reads 8,18
